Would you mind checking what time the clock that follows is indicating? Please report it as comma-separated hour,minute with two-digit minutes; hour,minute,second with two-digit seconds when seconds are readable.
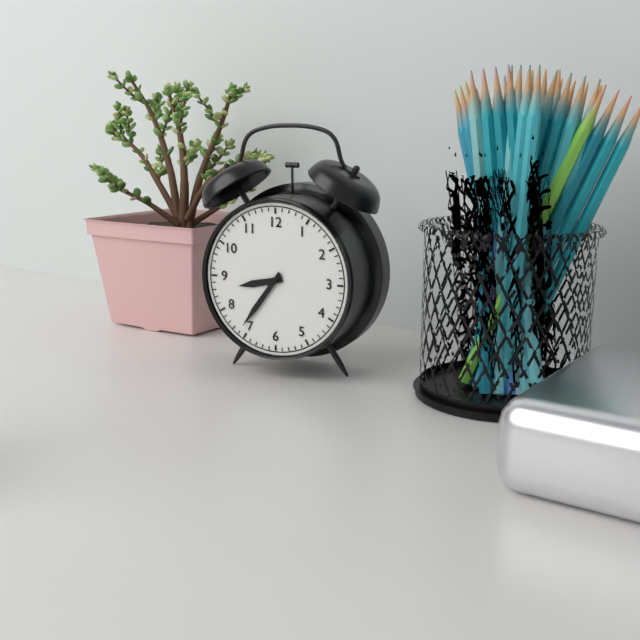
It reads 8,36
